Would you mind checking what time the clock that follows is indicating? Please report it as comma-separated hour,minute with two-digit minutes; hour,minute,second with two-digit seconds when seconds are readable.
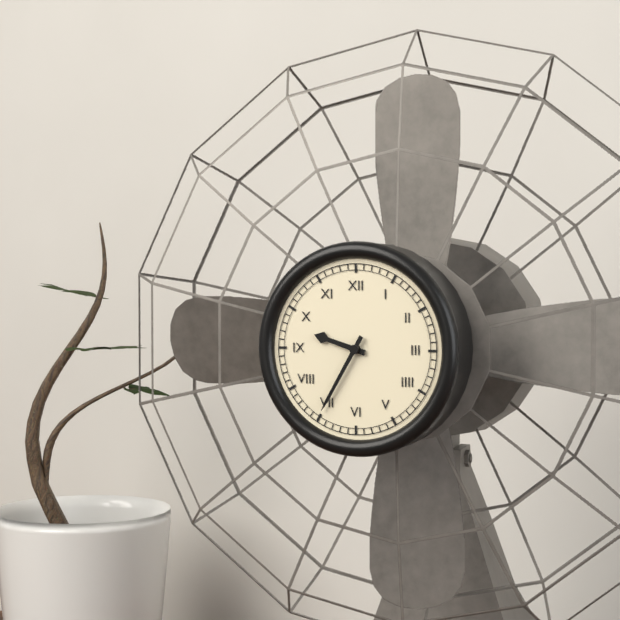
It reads 9,35
